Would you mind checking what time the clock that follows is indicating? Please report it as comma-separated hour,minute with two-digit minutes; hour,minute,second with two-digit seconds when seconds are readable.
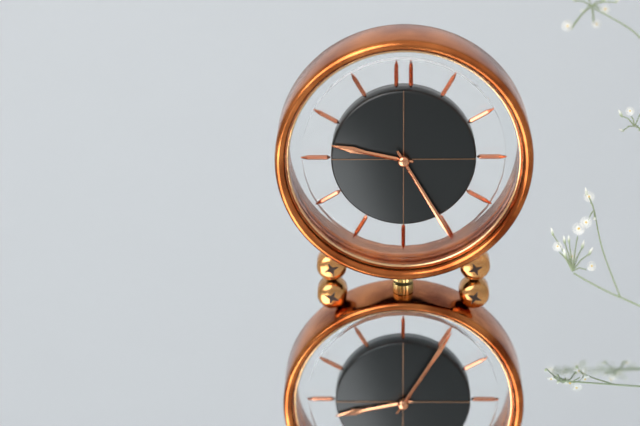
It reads 9,25
